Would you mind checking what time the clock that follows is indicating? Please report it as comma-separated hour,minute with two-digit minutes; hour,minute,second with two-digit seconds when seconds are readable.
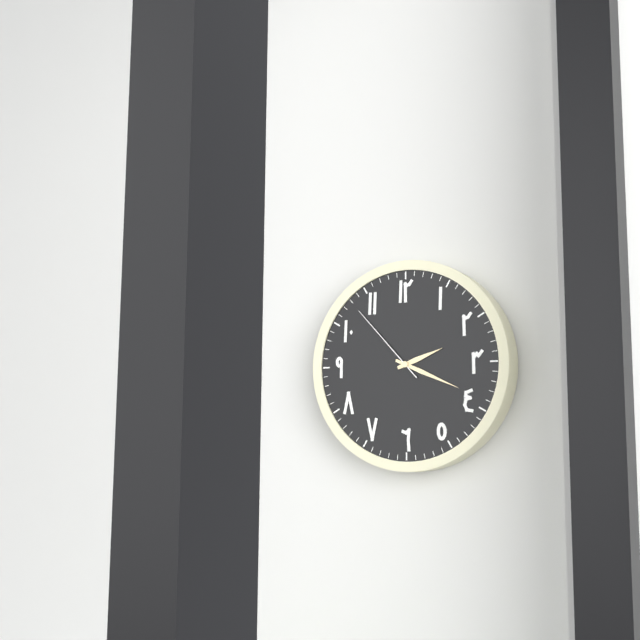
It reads 2,19,53
